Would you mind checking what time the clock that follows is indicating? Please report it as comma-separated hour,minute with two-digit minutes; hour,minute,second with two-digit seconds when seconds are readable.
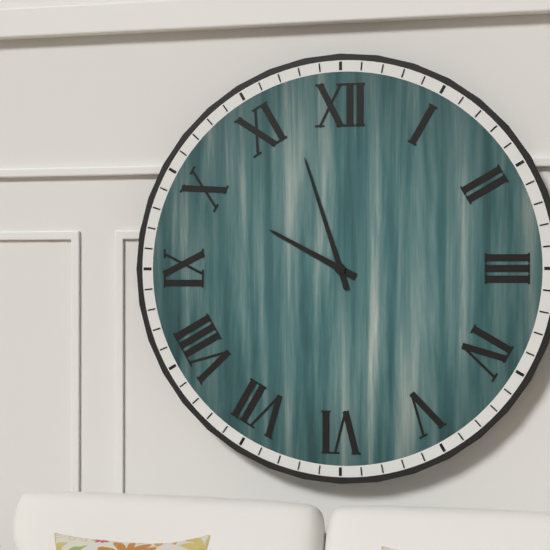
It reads 9,57
